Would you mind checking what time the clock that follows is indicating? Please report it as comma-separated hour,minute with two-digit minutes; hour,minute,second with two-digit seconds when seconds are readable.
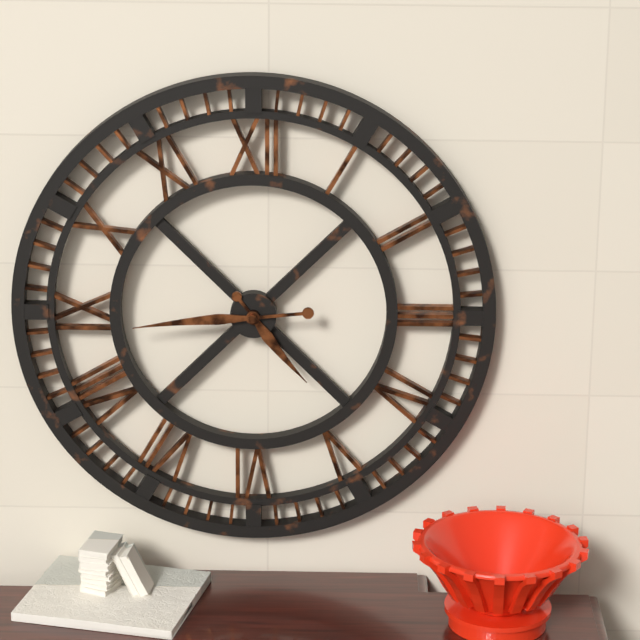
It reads 4,44
